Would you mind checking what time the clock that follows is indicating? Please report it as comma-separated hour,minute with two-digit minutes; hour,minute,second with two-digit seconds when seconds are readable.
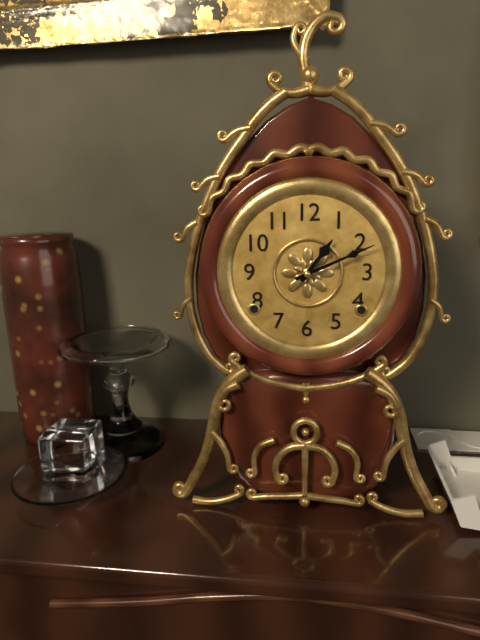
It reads 1,11
